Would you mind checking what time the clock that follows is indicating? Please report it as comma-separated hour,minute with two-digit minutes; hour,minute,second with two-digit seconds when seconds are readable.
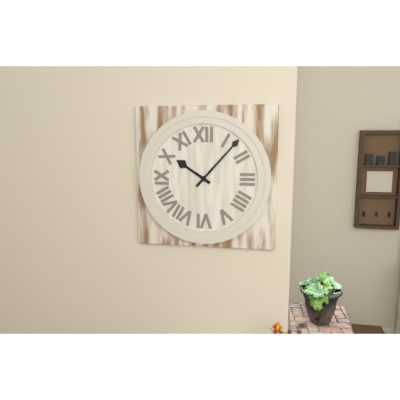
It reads 10,07
